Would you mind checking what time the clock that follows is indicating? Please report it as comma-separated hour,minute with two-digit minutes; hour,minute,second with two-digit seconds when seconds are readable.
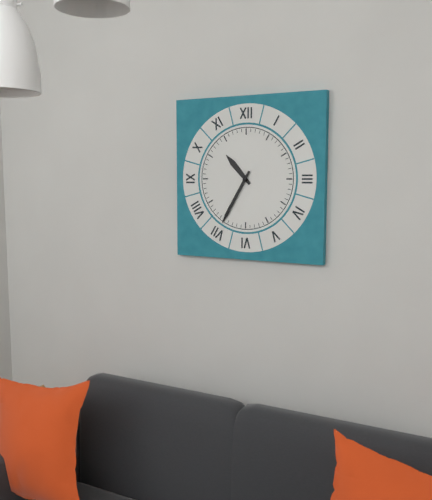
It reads 10,35
